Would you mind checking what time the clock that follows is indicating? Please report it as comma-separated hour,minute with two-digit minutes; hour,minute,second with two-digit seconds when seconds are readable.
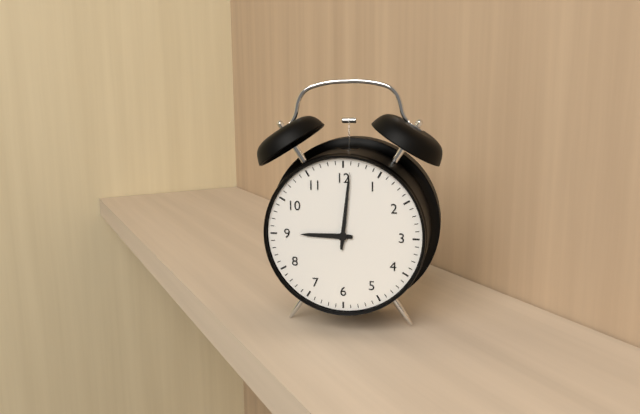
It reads 9,01
